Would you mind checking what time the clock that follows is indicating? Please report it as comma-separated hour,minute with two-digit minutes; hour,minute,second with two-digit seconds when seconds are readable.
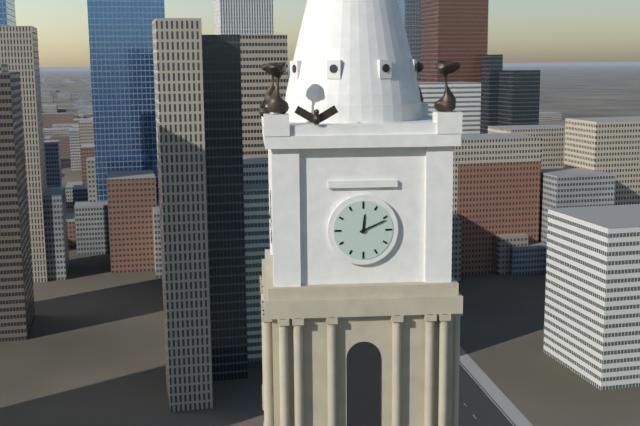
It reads 12,11
